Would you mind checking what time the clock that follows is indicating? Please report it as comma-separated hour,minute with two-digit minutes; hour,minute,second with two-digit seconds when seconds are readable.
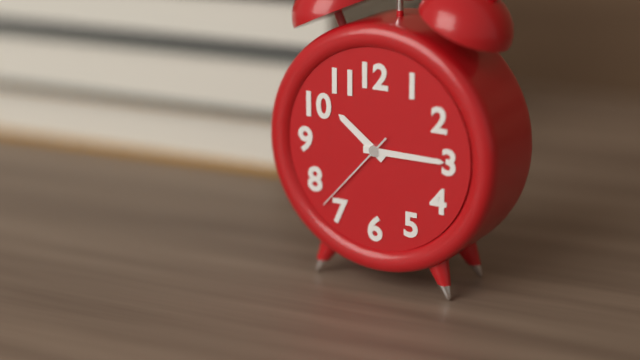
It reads 10,15,37
